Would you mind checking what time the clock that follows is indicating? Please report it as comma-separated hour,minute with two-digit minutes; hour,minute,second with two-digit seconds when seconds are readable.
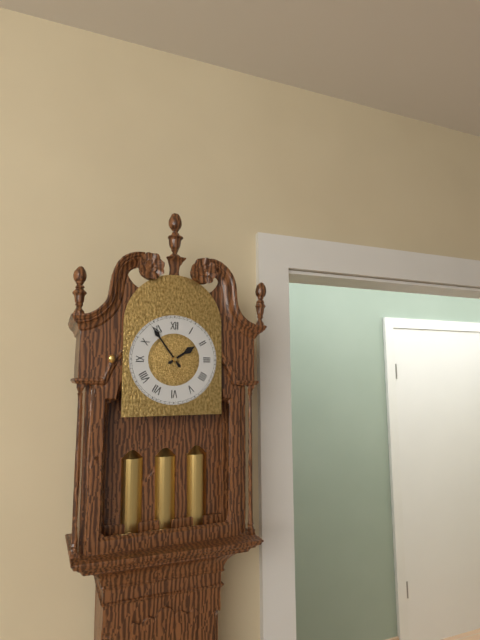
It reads 1,54
